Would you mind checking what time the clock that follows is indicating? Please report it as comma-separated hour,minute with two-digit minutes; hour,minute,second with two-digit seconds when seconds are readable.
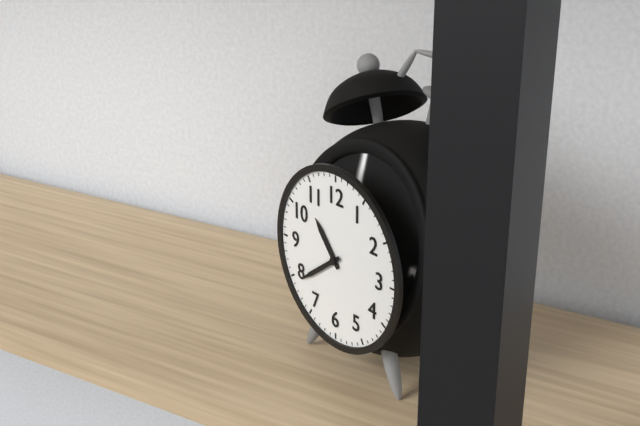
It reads 10,39
